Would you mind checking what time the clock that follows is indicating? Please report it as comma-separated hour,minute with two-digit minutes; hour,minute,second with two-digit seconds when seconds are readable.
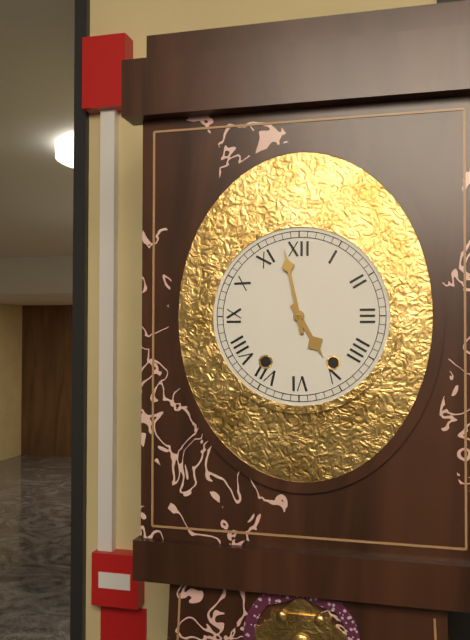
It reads 4,58
